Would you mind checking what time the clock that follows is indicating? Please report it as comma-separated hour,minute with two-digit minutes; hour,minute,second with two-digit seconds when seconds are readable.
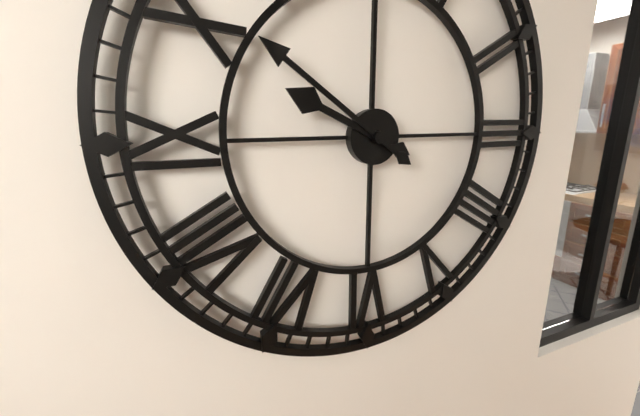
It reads 9,51
